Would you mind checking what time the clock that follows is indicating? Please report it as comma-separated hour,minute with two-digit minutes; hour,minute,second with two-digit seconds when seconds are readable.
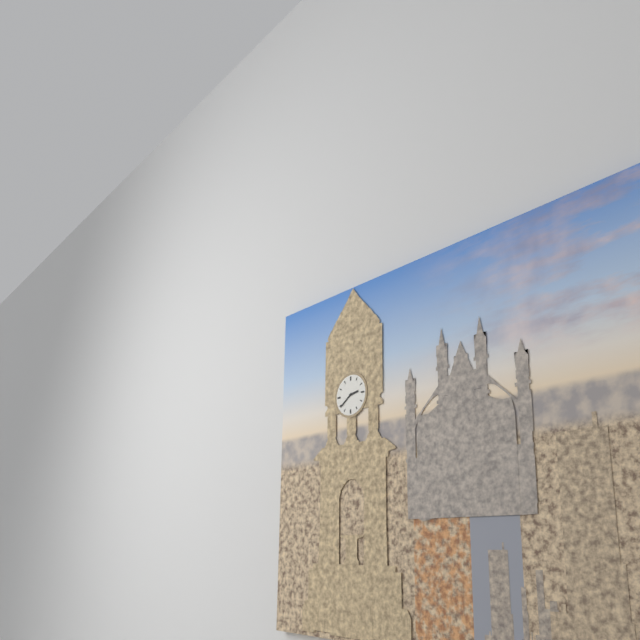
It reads 2,39
